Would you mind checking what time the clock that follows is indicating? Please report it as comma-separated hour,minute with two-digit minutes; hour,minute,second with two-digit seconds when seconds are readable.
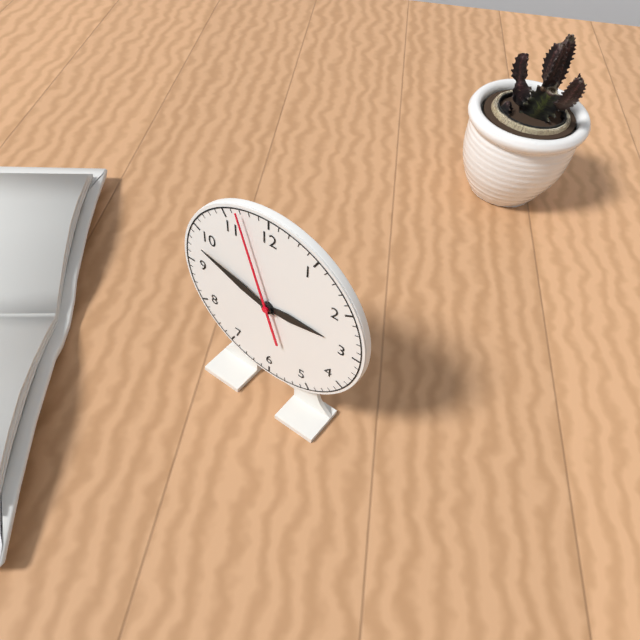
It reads 2,48,57
